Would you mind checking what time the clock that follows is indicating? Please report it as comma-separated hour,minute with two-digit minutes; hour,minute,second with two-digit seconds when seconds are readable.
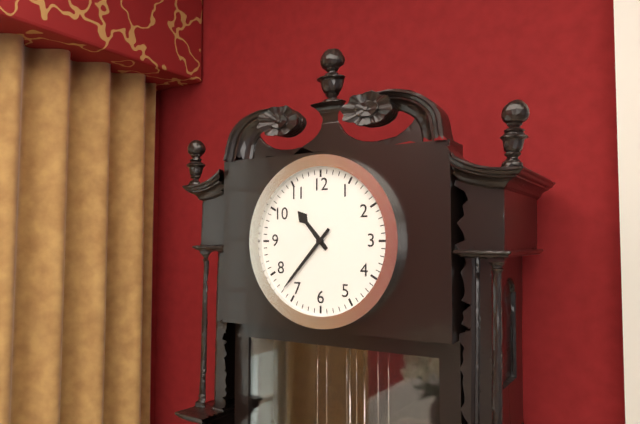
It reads 10,37
